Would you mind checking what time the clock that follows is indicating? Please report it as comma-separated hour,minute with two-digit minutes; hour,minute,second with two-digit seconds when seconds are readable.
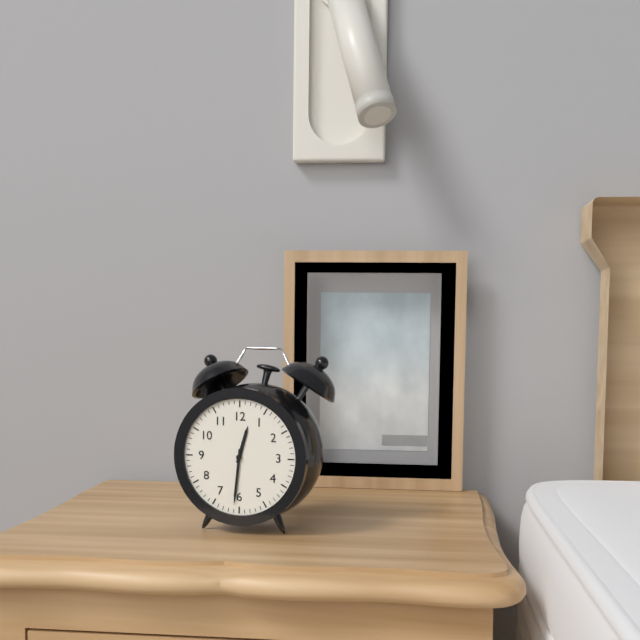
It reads 12,31
